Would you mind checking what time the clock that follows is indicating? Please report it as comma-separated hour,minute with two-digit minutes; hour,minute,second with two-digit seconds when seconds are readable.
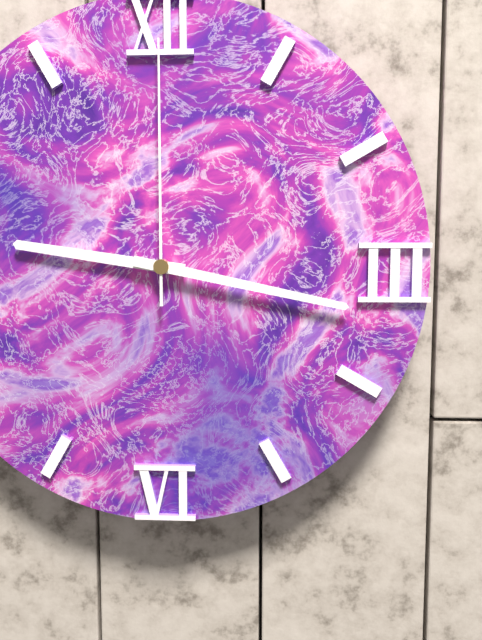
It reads 9,17,00
